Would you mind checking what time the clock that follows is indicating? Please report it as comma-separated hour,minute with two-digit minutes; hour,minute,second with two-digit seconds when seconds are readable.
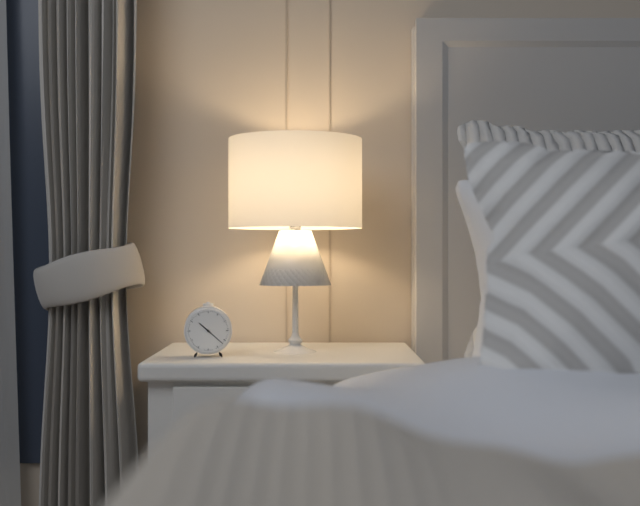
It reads 10,22
